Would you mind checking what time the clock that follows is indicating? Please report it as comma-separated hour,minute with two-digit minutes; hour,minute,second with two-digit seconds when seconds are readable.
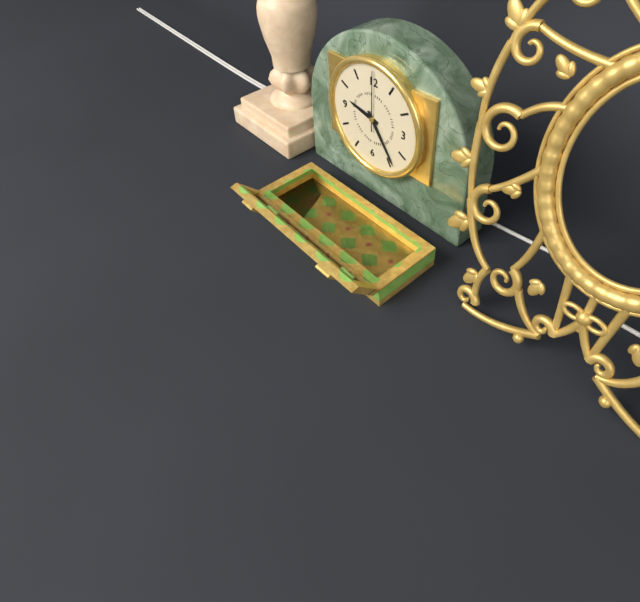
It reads 9,24,00
